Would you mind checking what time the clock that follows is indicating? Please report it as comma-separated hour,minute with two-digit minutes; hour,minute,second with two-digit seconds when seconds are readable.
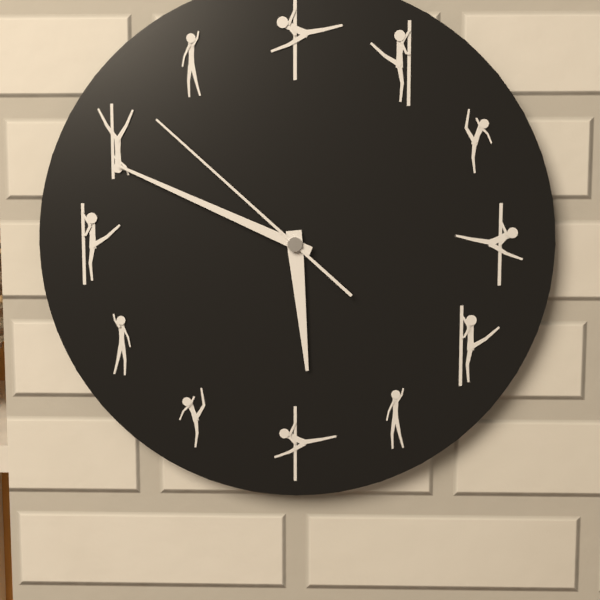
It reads 5,49,52
